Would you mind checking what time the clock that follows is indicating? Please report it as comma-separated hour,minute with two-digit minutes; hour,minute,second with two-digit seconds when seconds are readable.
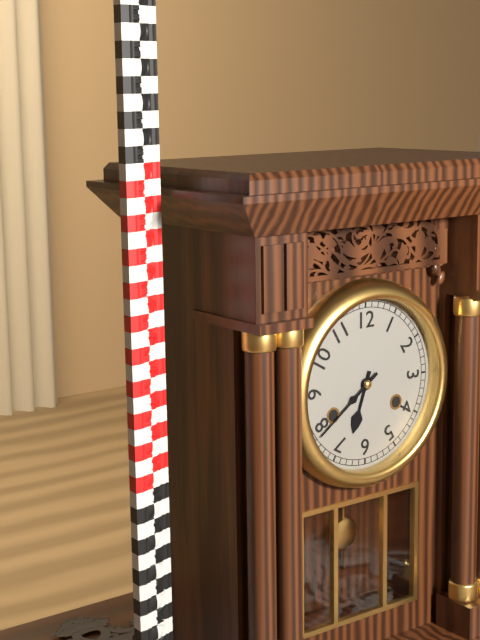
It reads 6,39
